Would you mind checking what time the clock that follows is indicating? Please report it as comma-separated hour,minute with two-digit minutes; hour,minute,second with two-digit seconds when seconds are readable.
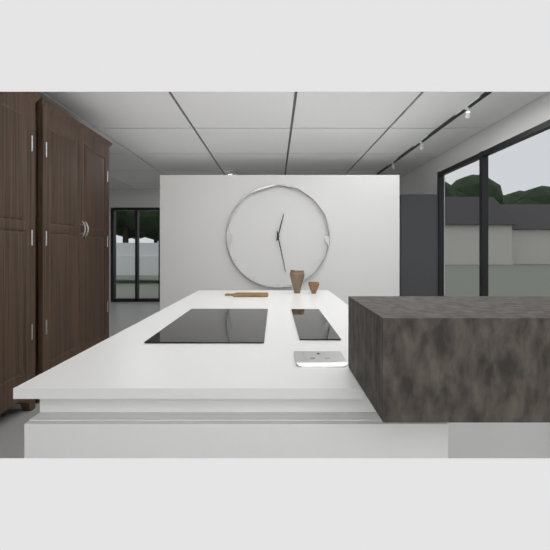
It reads 12,28
